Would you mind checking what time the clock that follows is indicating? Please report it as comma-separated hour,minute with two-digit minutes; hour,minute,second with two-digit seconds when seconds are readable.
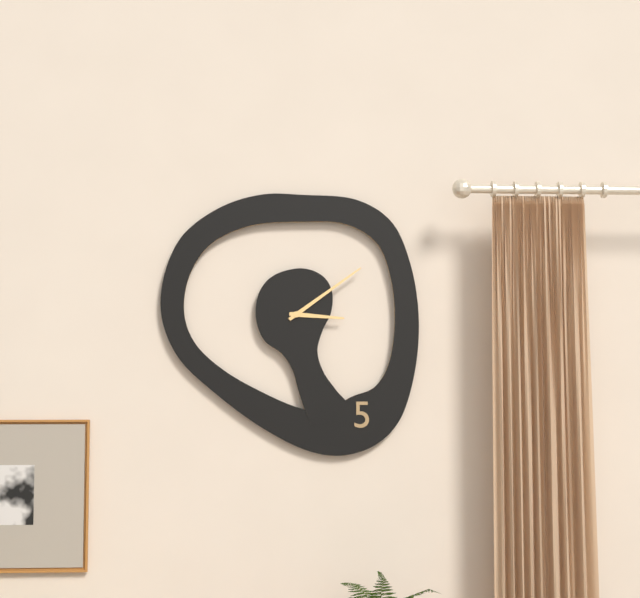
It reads 3,09
